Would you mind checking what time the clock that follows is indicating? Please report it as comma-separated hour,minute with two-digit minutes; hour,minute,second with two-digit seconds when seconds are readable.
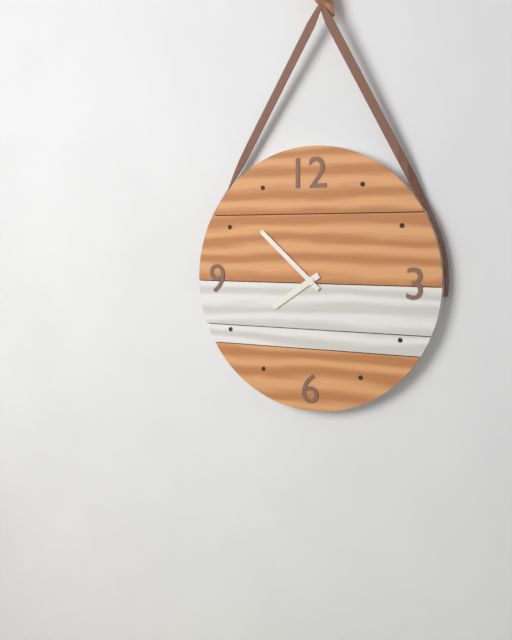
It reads 7,52
